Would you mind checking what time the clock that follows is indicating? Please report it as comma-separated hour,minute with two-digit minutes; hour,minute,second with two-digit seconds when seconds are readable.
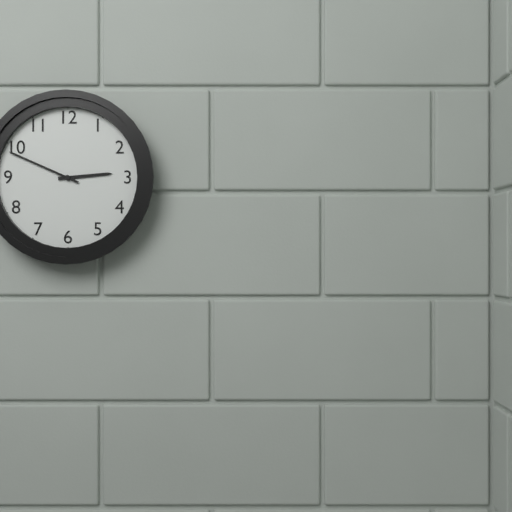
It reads 2,49
